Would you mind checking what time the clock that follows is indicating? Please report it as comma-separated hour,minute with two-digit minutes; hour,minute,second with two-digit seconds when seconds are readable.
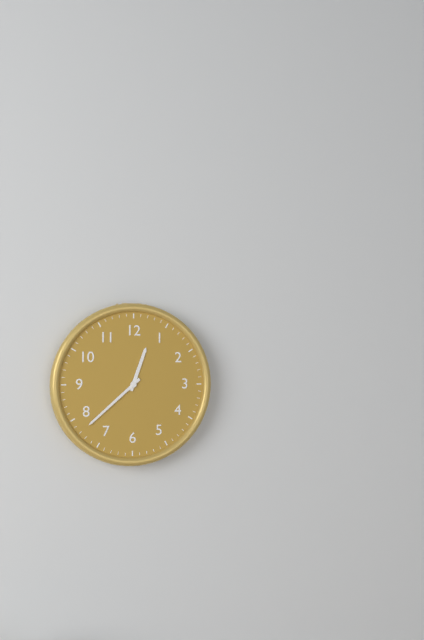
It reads 12,38
